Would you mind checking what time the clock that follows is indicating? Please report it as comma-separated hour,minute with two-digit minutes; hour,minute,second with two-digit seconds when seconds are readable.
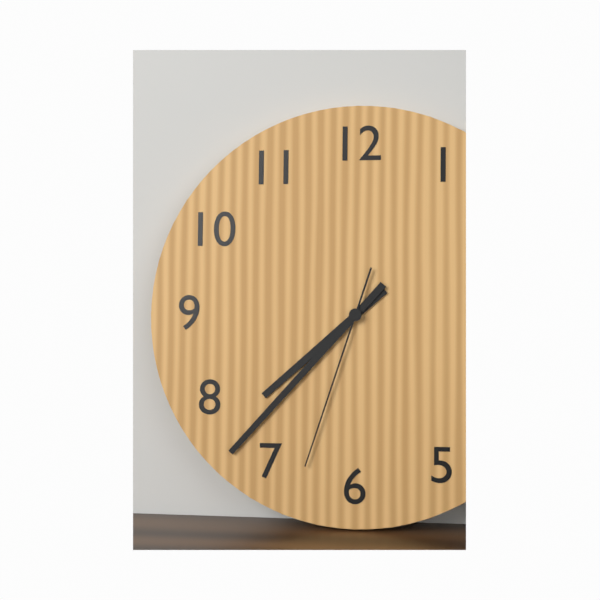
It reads 7,37,33
